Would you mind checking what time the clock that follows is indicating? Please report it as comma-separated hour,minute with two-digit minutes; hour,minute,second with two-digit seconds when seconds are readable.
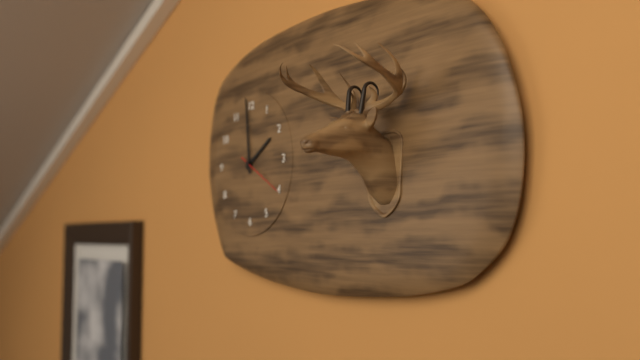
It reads 1,59
